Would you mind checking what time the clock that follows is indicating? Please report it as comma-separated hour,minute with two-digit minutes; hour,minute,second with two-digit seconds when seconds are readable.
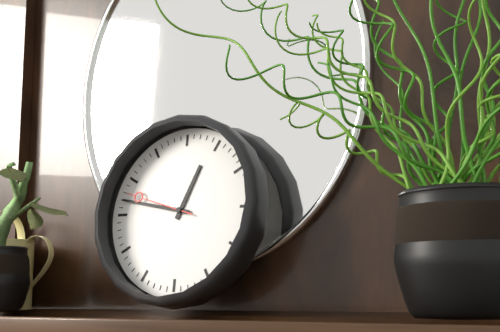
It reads 12,47,48
